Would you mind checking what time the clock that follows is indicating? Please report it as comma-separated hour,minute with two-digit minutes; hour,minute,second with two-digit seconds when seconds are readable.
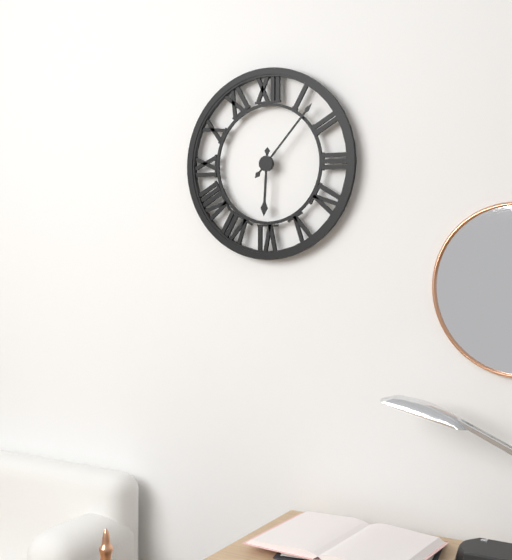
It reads 6,07
